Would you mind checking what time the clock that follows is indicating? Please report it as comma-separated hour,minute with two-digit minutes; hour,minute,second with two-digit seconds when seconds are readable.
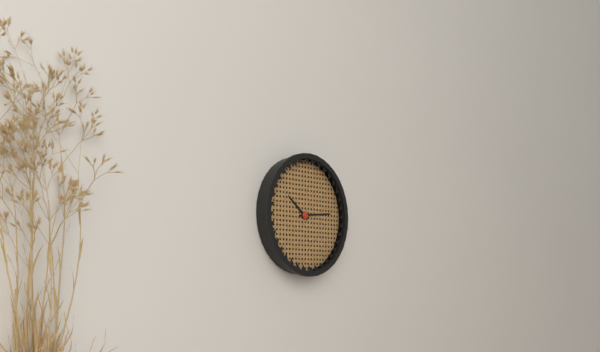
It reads 10,14
